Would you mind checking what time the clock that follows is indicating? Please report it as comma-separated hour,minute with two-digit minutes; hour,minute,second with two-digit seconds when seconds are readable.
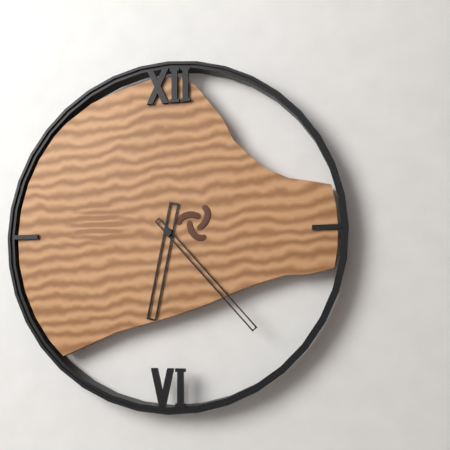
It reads 6,23
